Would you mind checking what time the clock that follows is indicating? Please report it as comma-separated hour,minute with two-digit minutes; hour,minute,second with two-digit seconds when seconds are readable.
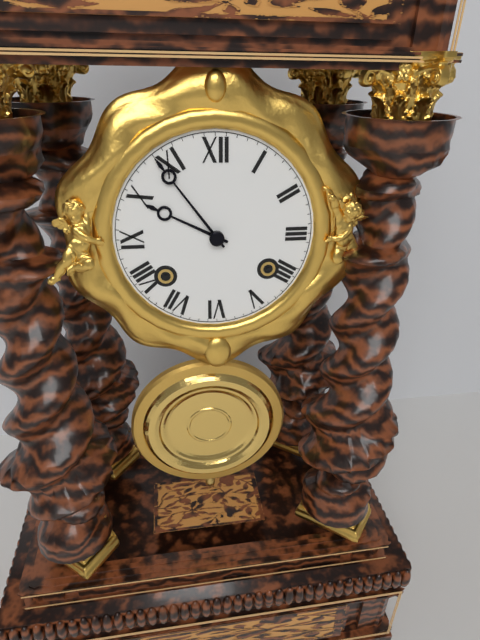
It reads 9,54
